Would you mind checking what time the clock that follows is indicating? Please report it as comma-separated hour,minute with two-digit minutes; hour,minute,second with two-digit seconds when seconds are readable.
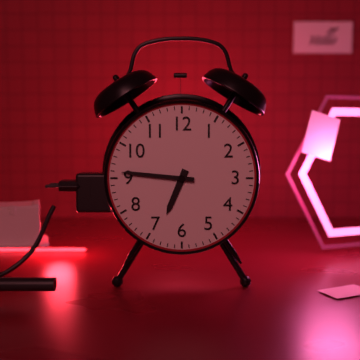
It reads 6,46
